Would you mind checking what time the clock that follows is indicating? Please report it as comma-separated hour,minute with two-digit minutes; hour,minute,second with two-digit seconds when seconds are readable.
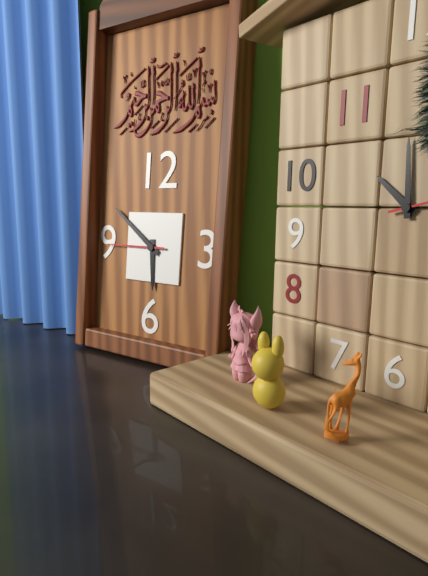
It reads 5,51,45
